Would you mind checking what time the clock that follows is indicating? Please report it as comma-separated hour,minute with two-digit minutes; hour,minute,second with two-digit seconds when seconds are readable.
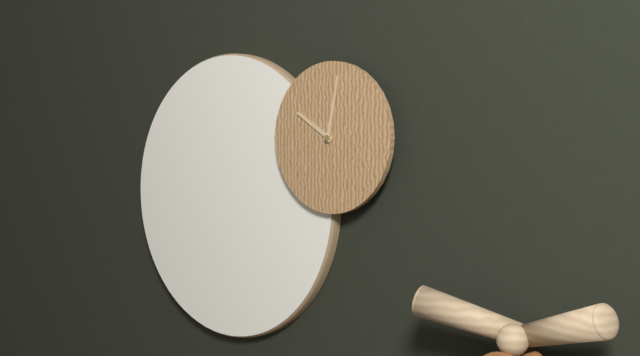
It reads 10,02
